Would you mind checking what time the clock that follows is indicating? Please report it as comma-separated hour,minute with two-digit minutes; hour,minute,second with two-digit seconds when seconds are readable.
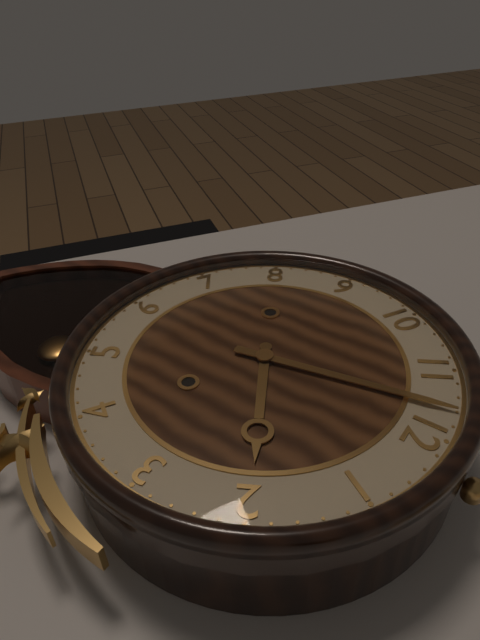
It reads 1,58
